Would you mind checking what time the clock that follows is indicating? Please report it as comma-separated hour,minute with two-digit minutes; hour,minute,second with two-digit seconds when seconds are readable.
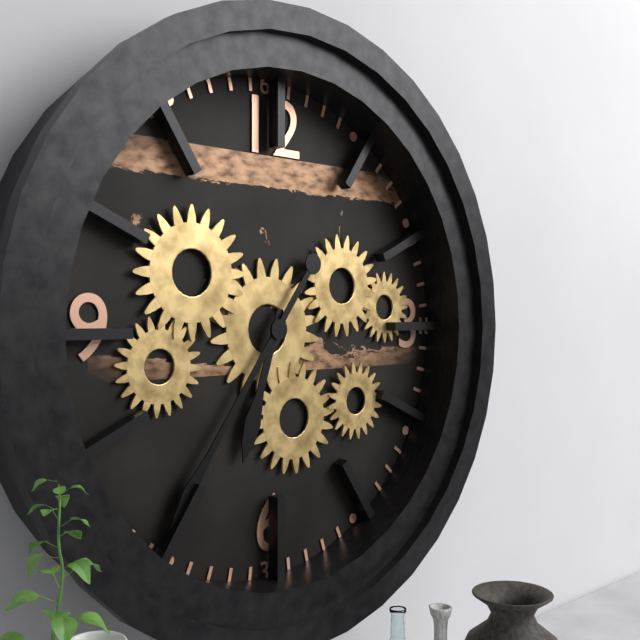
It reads 6,36
